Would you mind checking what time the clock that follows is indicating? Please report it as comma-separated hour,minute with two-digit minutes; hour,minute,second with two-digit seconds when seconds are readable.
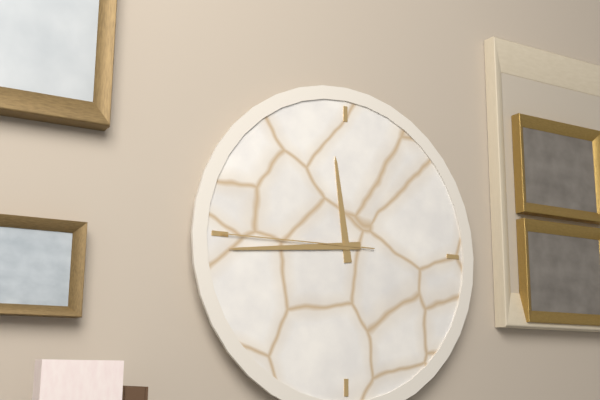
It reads 11,44,45
